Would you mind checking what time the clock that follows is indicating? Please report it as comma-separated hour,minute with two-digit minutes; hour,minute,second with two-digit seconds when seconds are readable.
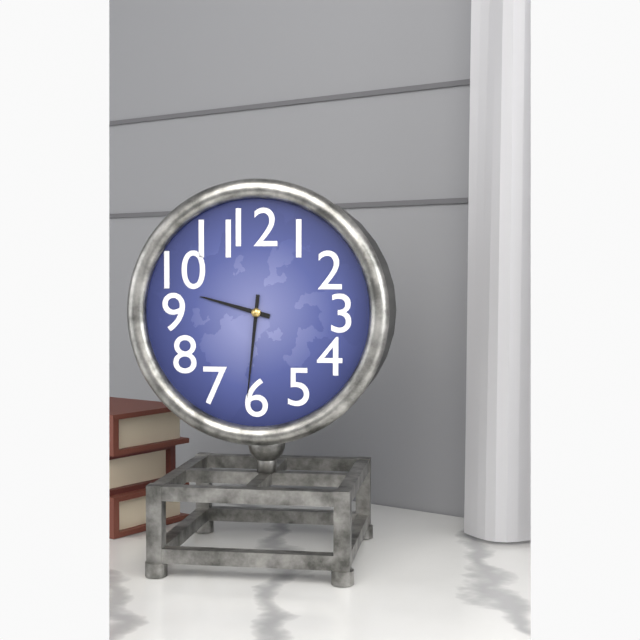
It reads 9,31
